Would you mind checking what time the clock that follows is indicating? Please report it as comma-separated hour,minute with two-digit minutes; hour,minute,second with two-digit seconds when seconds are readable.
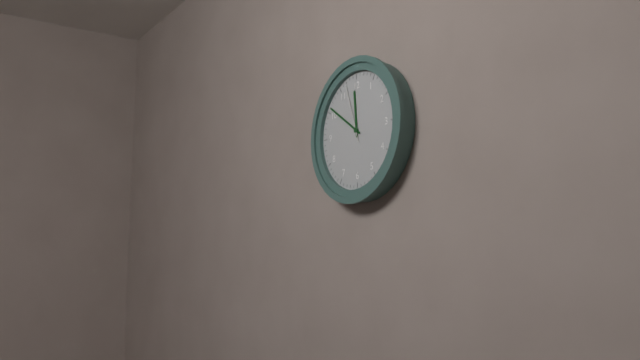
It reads 11,51,57
